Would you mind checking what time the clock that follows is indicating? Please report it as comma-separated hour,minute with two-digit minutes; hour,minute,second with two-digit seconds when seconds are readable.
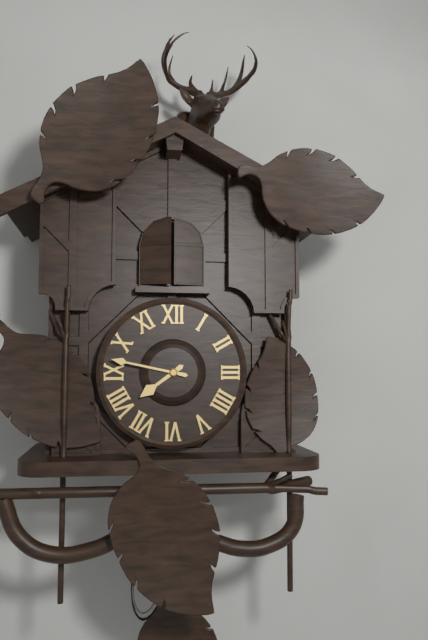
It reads 7,47
